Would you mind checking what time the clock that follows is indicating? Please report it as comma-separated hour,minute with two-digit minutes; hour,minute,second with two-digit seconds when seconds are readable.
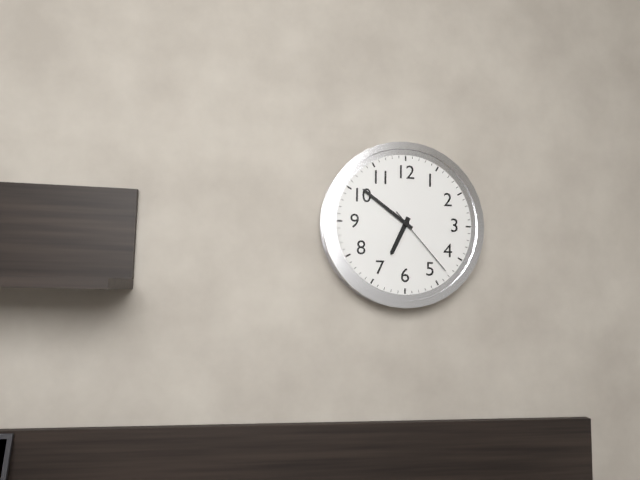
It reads 6,51,23
